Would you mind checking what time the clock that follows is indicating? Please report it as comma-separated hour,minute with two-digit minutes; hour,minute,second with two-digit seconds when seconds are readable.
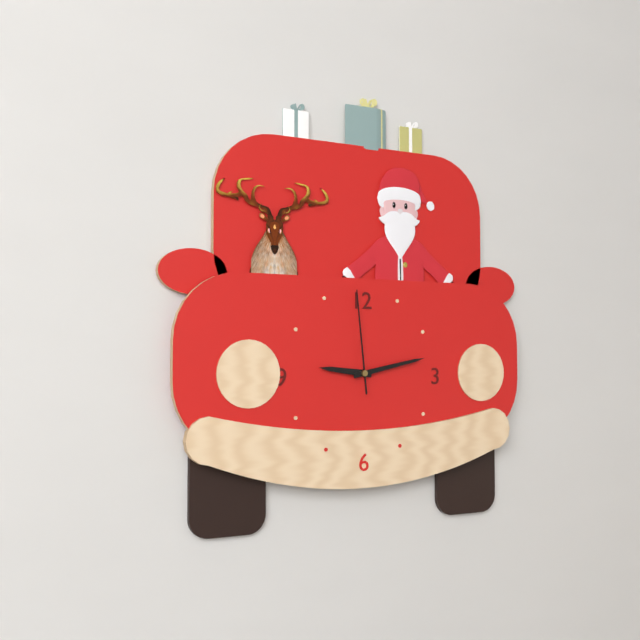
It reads 9,13,59
